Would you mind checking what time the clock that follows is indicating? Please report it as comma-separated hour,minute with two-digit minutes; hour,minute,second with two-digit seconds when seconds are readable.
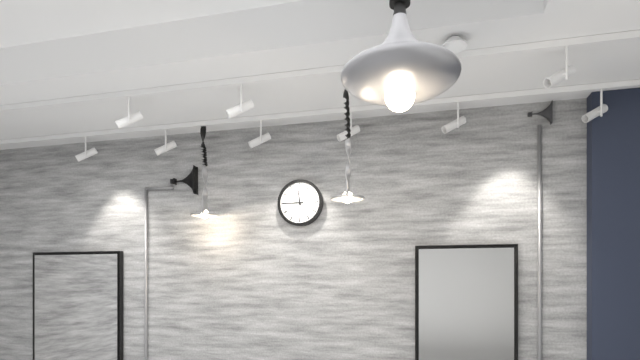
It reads 11,45
